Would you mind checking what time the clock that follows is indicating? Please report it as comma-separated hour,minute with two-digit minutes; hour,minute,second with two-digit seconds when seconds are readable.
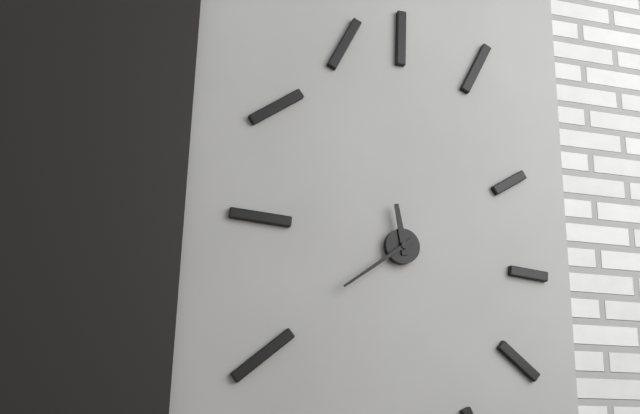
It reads 11,39
